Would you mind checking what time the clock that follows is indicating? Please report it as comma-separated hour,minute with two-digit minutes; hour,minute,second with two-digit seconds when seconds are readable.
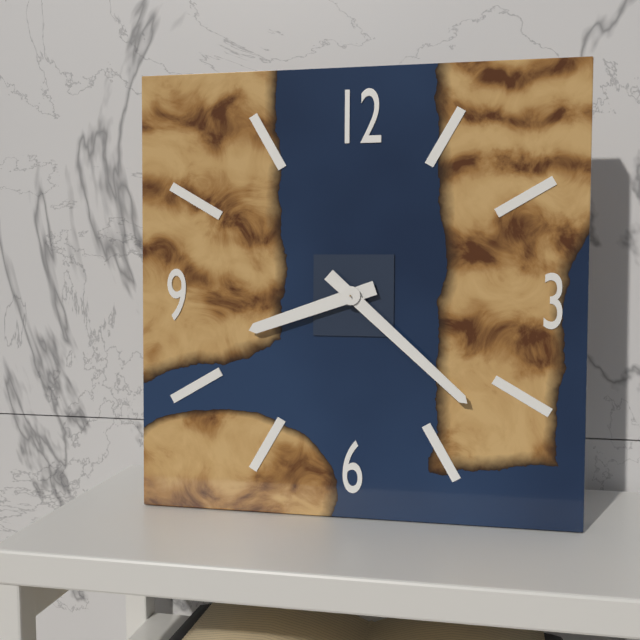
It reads 8,22
